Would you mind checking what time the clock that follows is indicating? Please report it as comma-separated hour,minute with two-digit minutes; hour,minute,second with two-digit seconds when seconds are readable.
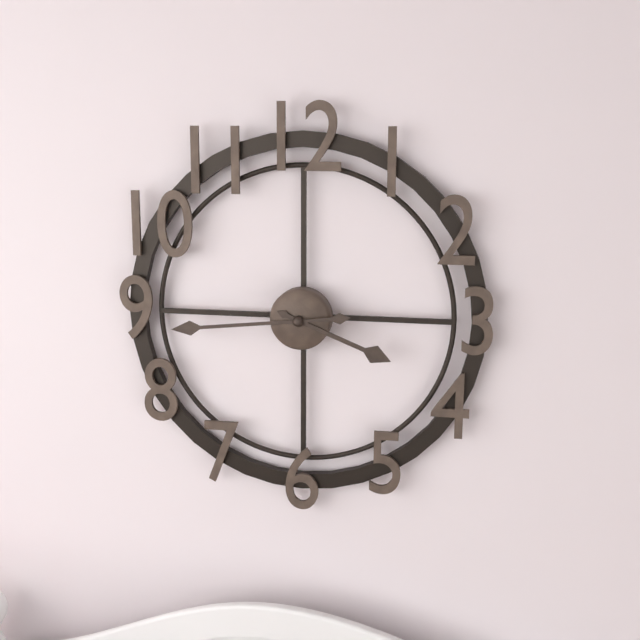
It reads 3,44
